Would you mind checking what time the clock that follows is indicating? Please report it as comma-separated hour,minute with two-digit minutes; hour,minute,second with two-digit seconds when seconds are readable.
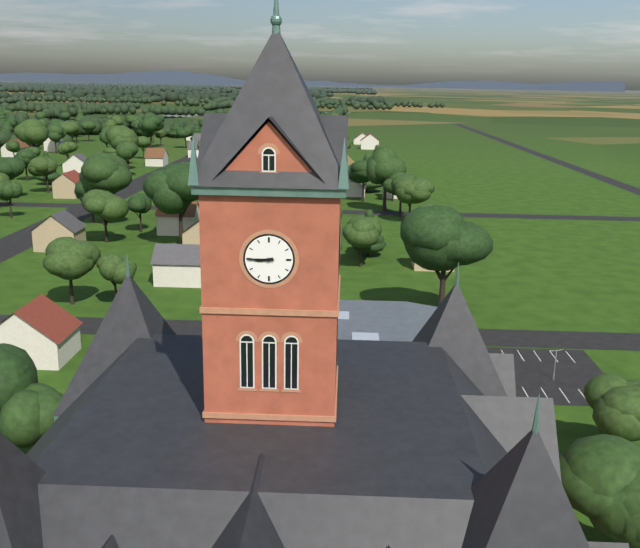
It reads 8,45
